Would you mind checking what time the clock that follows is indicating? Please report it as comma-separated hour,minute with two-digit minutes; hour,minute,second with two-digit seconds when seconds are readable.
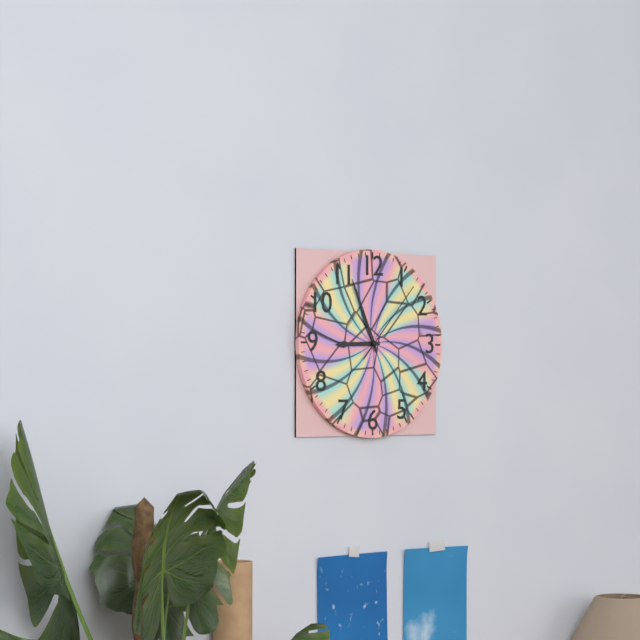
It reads 8,56,07
